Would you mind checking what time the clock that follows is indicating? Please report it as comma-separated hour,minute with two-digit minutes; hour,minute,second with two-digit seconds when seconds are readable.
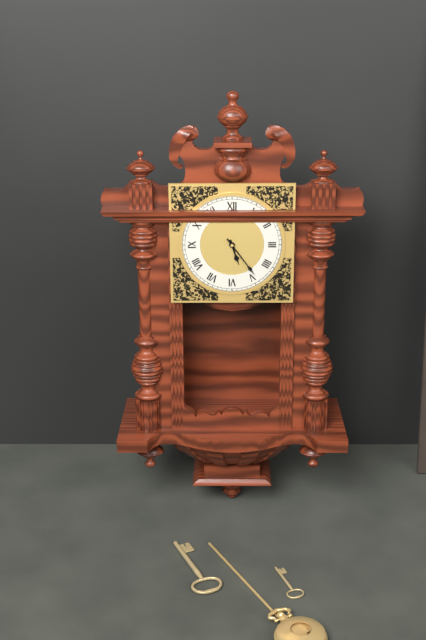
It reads 5,24
